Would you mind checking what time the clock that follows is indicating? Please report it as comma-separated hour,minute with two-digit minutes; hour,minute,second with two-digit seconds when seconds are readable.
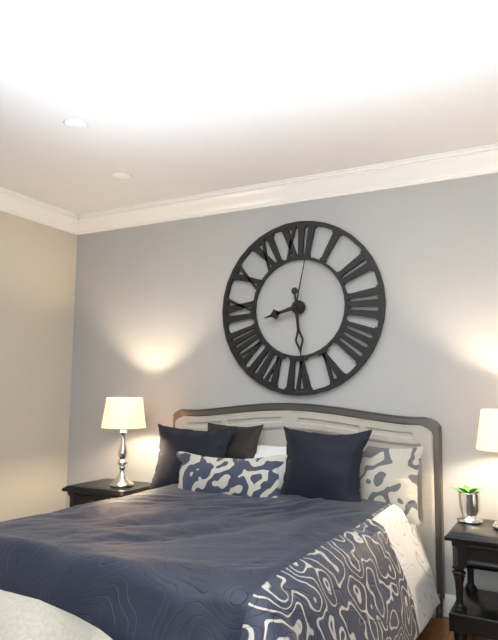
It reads 8,29,02
